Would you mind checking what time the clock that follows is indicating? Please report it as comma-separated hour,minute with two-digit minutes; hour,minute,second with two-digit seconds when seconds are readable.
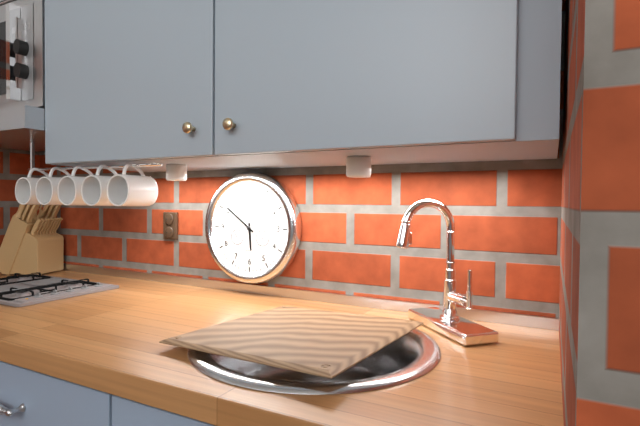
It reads 5,51
